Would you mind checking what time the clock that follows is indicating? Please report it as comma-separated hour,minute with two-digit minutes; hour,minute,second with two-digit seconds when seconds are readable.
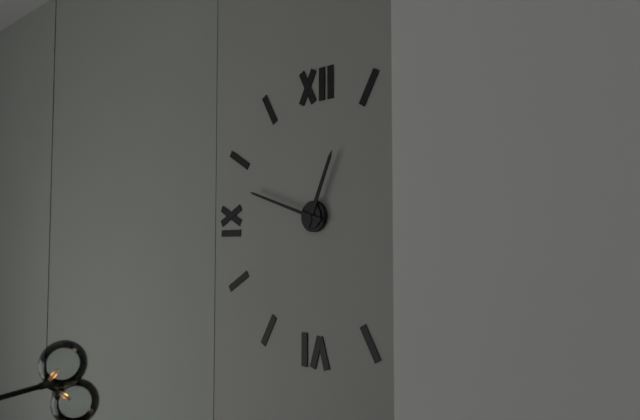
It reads 12,48
